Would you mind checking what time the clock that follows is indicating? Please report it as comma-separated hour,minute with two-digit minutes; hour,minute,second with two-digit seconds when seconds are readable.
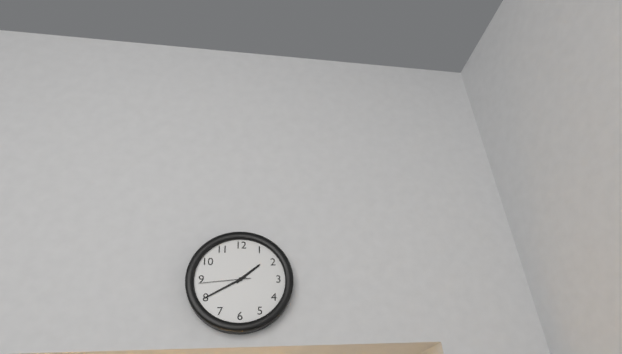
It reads 1,40,44
